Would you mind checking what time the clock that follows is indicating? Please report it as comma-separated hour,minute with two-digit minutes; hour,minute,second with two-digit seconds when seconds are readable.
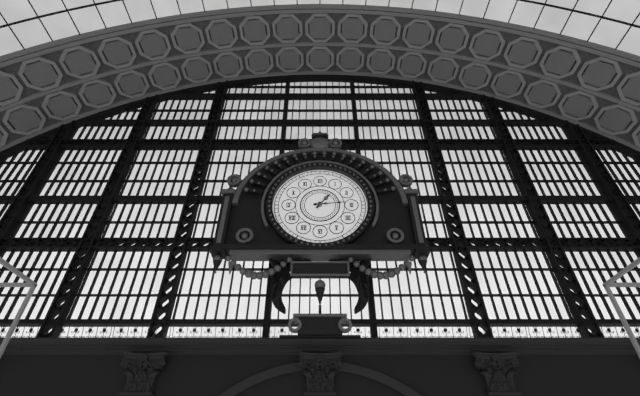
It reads 1,14
